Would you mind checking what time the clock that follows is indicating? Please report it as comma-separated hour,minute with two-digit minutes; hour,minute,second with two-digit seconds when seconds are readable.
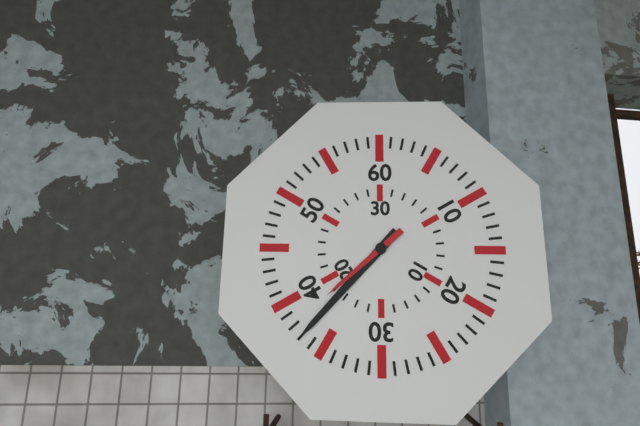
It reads 7,37
